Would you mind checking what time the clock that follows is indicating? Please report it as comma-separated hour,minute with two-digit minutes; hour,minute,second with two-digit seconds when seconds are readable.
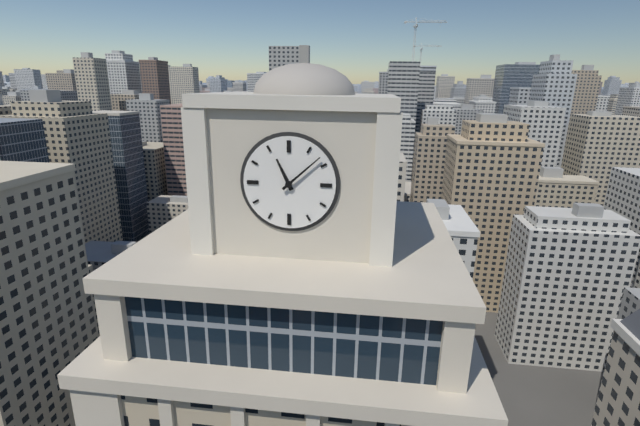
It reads 11,08
